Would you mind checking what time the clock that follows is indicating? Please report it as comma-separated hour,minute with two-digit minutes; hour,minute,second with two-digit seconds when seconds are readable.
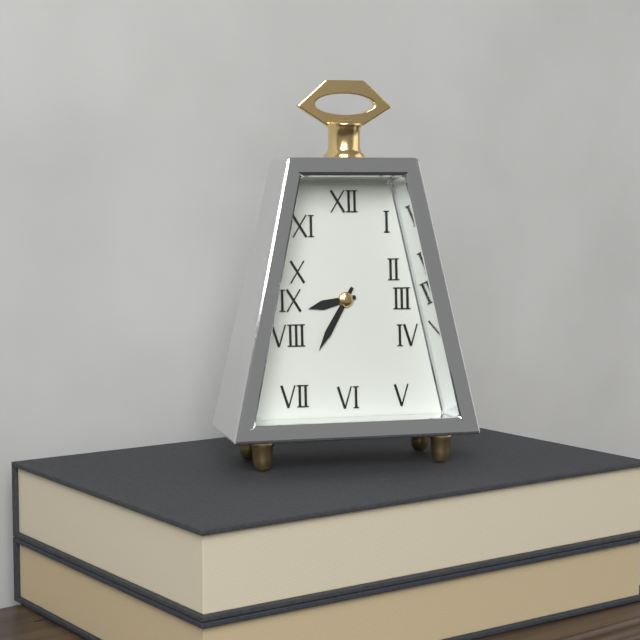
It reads 8,35
